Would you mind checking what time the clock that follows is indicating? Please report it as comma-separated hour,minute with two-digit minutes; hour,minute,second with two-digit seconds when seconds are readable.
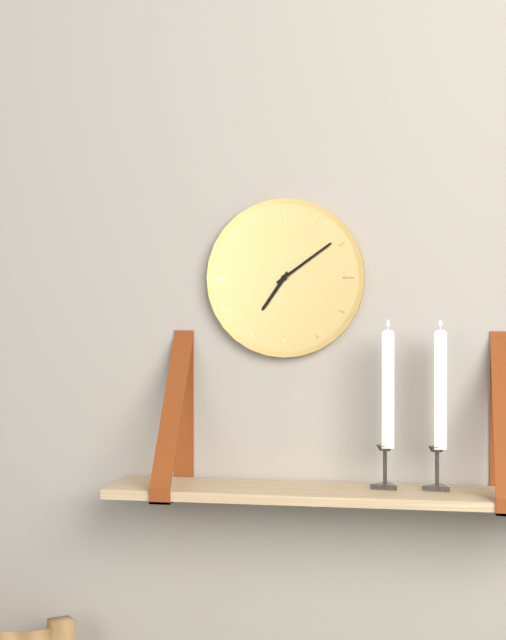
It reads 7,09
